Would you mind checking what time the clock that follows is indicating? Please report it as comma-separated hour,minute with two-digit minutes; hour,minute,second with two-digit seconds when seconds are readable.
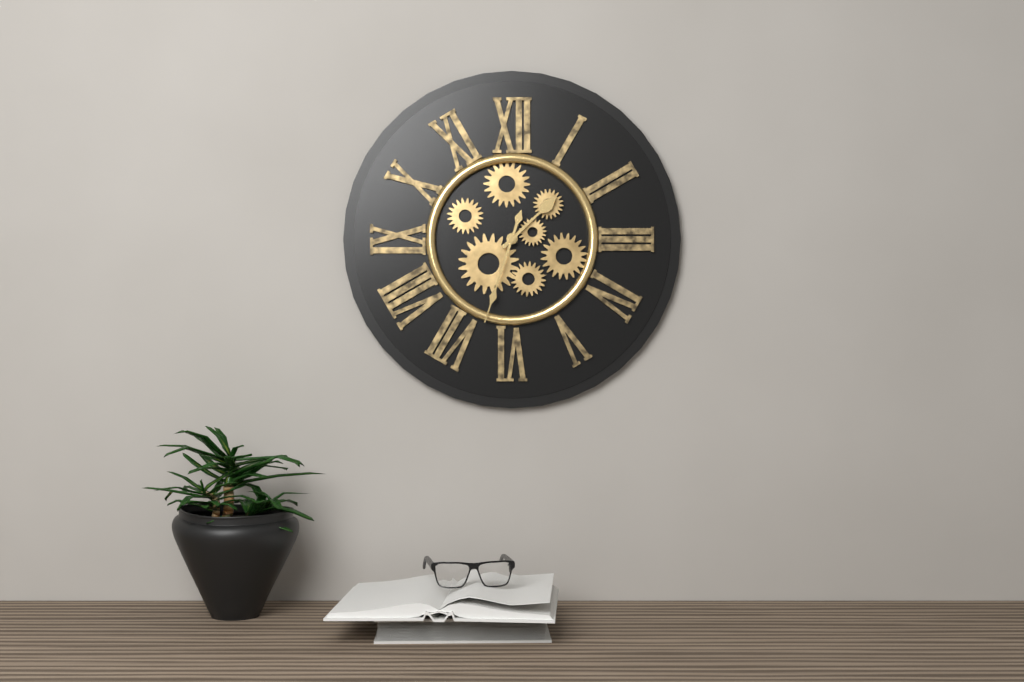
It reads 1,33
